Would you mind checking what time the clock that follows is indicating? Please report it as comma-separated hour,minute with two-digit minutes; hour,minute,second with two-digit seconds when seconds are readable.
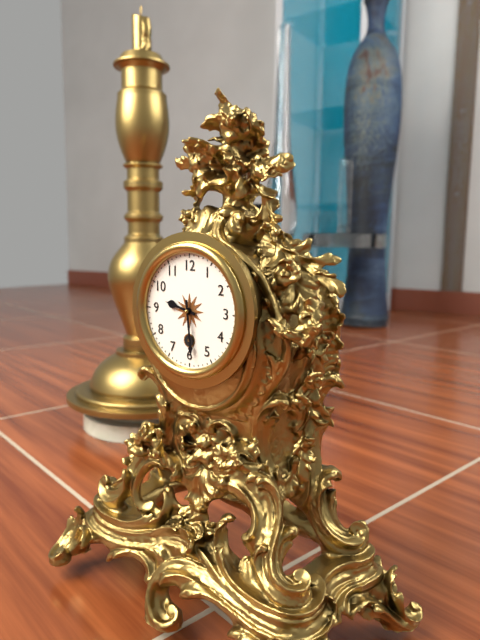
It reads 9,29
